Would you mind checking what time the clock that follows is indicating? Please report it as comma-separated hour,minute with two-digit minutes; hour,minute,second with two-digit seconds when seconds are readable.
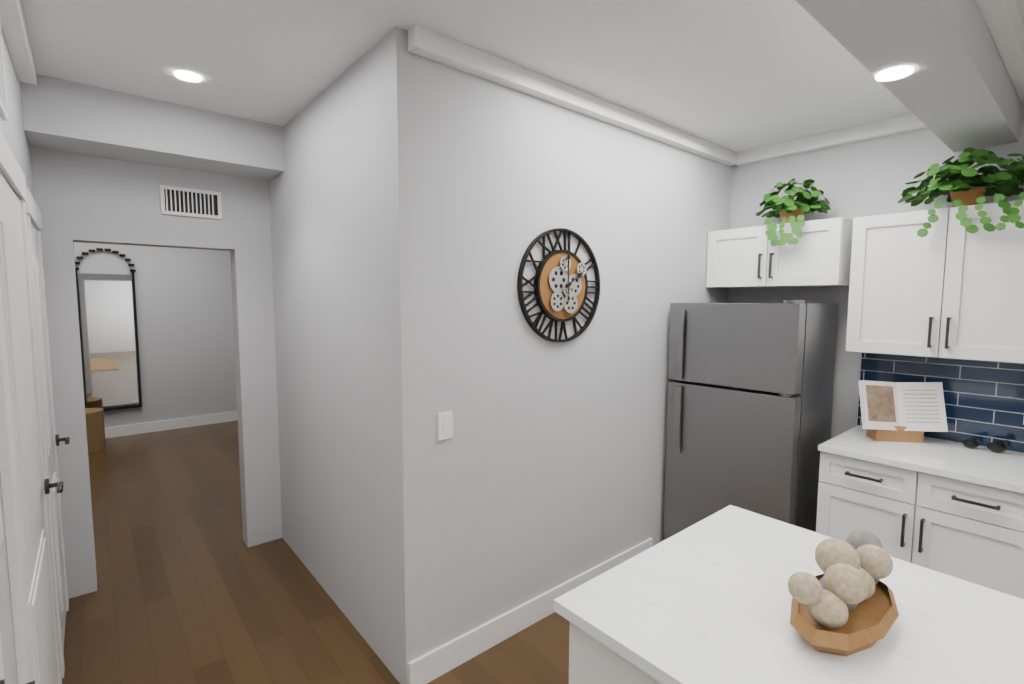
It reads 2,00
